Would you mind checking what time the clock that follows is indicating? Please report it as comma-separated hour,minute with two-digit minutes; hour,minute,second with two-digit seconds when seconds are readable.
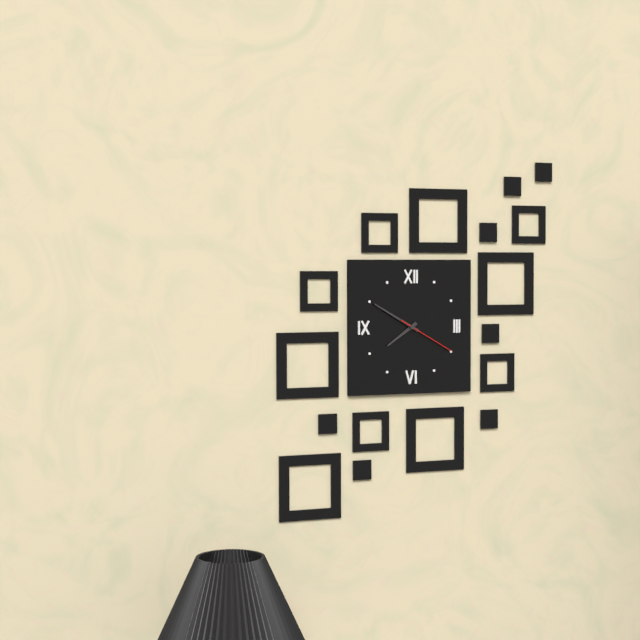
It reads 7,50,20
